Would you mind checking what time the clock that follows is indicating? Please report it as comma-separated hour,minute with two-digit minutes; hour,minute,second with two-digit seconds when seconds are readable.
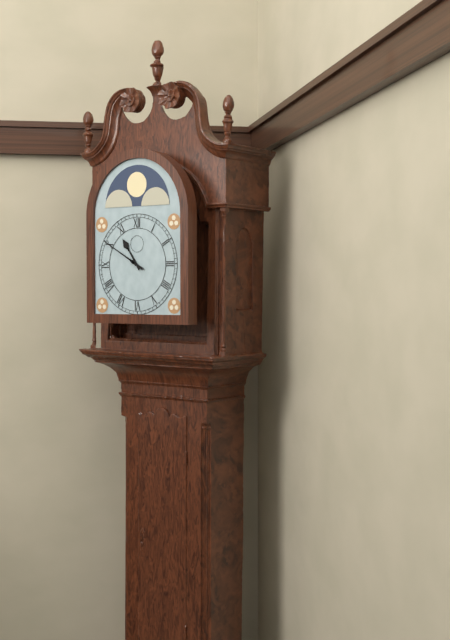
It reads 10,50
